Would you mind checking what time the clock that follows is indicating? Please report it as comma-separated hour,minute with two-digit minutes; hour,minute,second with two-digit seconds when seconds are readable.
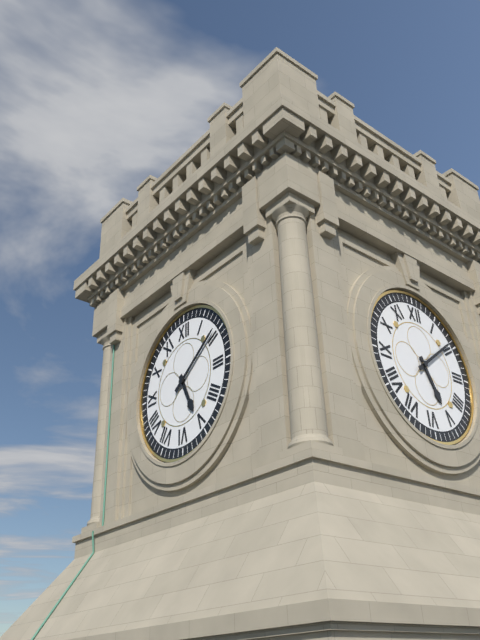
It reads 5,09
